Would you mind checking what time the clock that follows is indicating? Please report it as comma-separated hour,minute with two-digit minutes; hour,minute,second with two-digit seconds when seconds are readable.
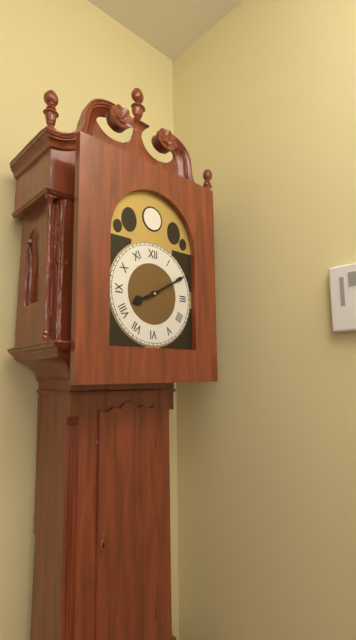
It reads 8,10
